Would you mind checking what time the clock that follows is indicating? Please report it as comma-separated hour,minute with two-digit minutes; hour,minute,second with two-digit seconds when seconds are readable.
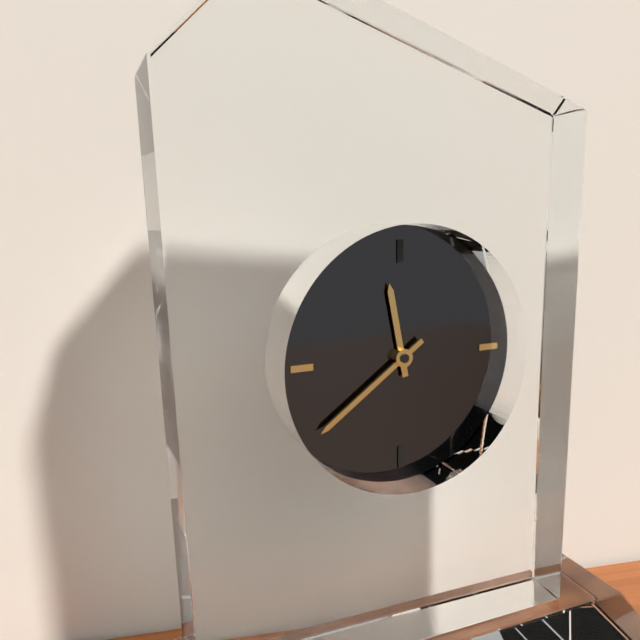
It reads 11,39
